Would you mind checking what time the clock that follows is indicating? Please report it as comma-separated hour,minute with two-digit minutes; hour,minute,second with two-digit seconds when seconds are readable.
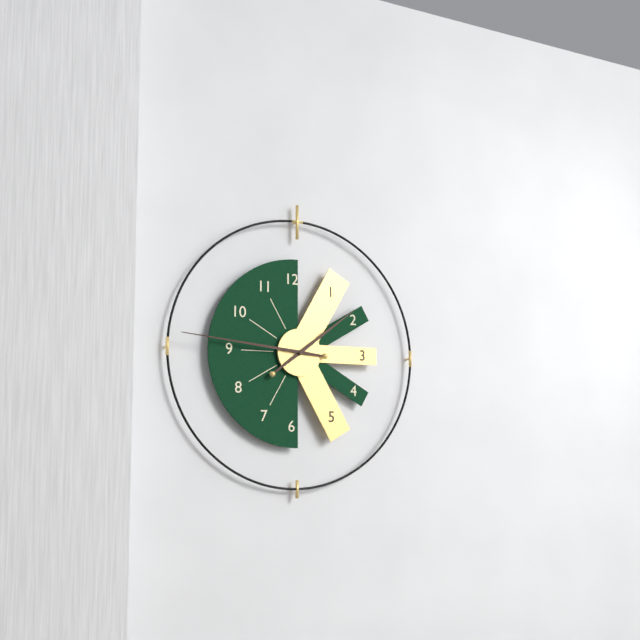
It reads 1,46
